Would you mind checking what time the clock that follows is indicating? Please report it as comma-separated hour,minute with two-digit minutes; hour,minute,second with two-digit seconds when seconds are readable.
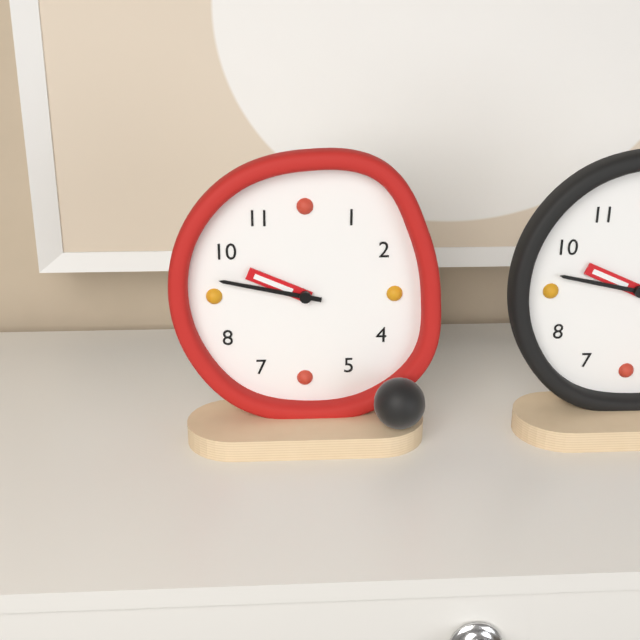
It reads 9,47
